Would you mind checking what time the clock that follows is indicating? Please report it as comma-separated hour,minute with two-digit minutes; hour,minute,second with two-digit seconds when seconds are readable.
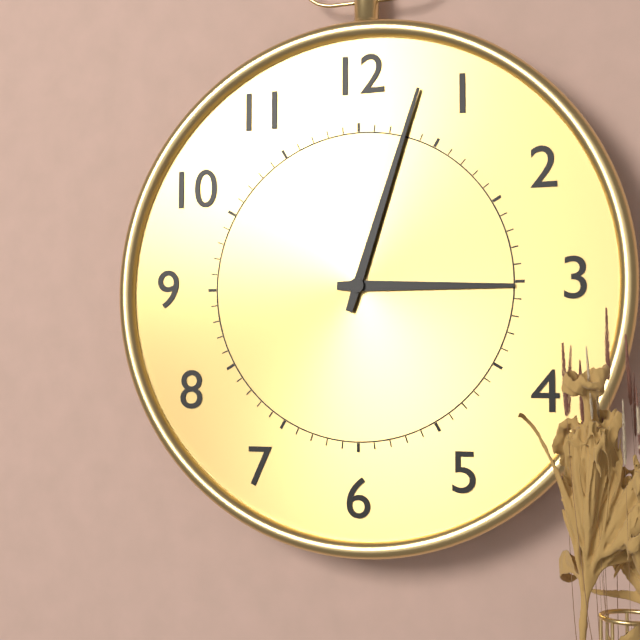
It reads 3,03
